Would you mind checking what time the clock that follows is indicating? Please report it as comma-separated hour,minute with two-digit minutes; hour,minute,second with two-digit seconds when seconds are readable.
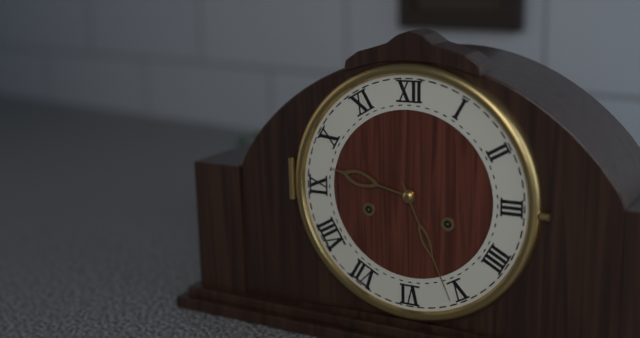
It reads 9,26
